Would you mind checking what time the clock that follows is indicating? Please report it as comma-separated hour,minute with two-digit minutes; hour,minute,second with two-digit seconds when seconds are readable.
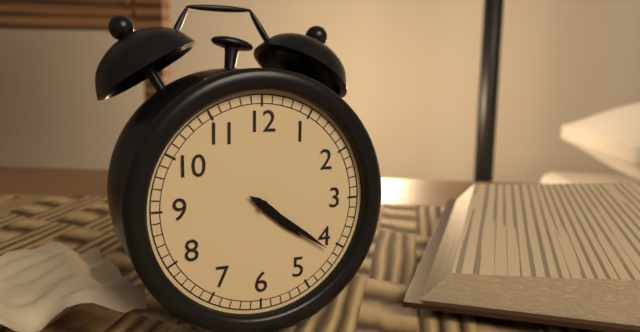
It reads 4,21
